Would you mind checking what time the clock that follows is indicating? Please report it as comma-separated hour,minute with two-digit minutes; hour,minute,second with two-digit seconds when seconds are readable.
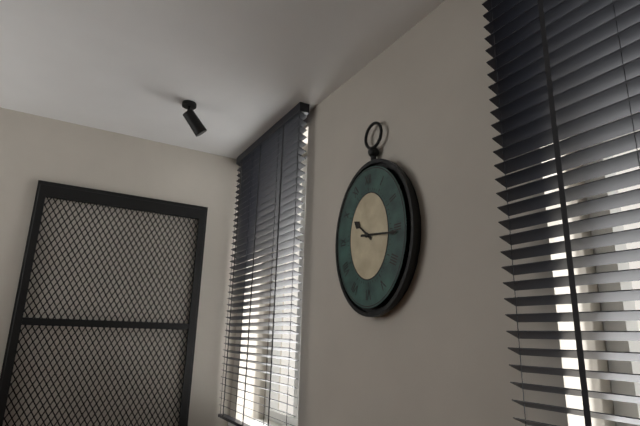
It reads 10,16
